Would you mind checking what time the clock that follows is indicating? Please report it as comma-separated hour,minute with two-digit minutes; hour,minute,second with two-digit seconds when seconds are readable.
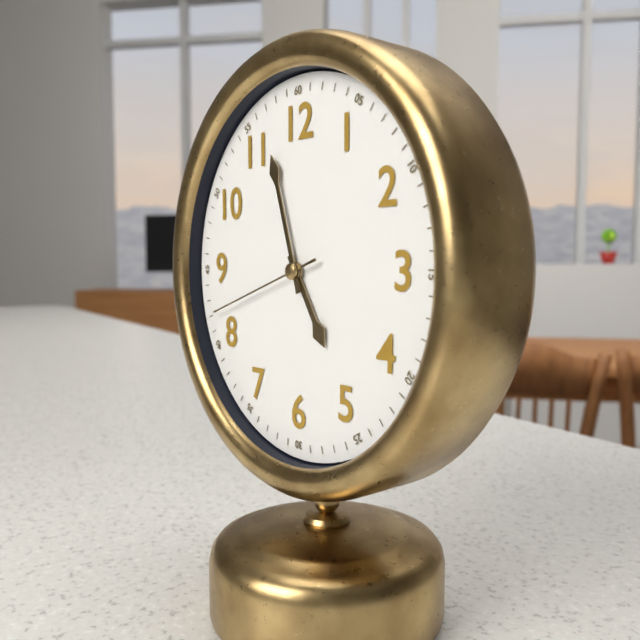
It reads 4,57,42
